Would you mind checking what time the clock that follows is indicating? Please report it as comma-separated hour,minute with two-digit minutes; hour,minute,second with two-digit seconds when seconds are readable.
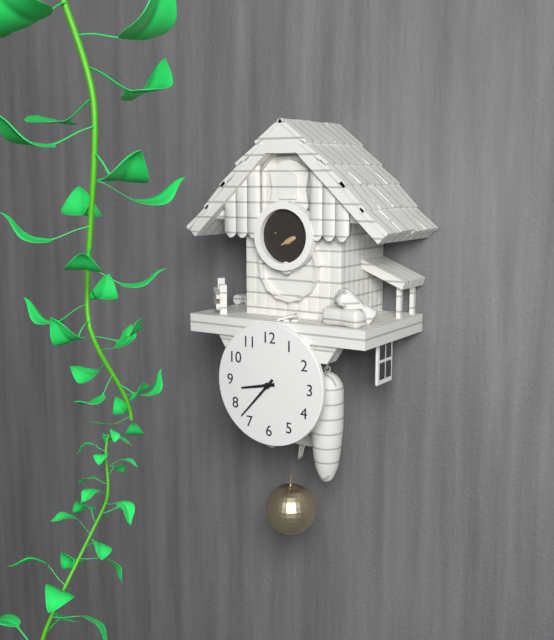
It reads 8,37
